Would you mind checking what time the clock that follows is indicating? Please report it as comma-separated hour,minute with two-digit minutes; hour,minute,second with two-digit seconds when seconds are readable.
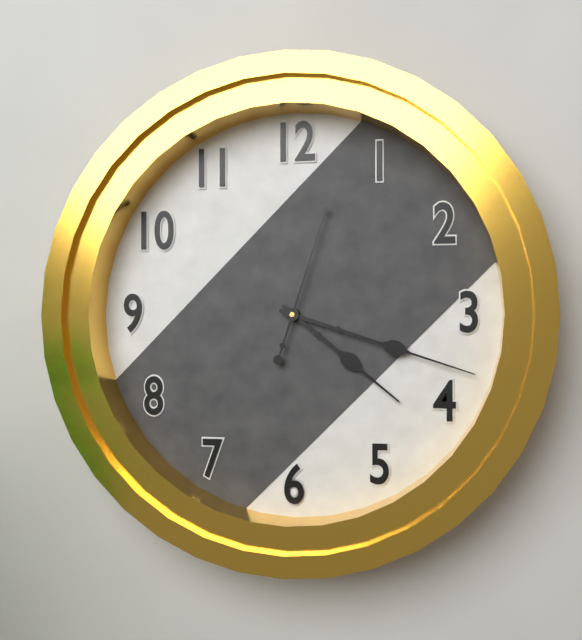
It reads 4,18,03
